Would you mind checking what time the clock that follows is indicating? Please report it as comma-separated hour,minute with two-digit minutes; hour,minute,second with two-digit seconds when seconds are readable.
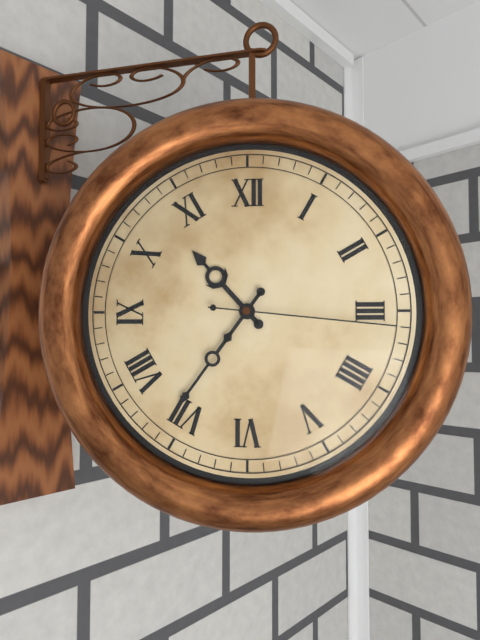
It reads 10,36,16
